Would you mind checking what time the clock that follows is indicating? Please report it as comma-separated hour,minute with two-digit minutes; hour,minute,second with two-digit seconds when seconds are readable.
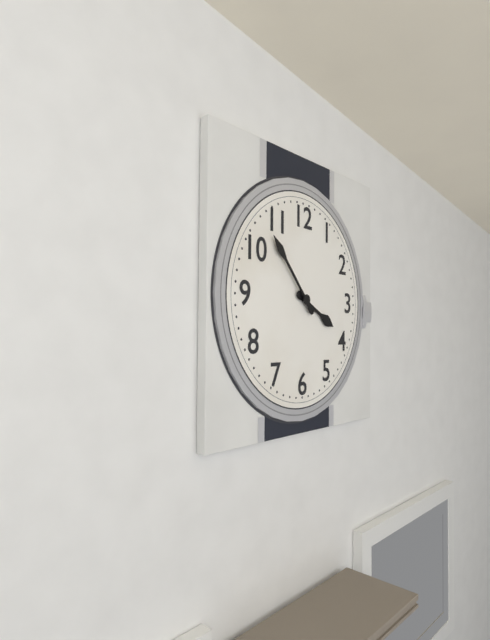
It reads 3,53
